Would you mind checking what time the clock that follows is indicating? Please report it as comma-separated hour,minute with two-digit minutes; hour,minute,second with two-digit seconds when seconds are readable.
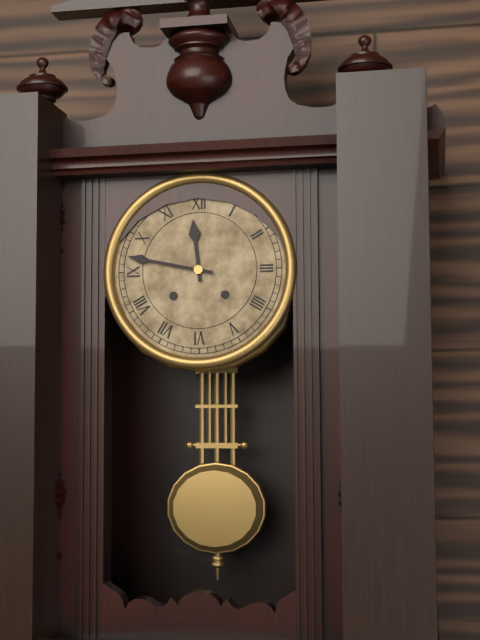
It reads 11,47
